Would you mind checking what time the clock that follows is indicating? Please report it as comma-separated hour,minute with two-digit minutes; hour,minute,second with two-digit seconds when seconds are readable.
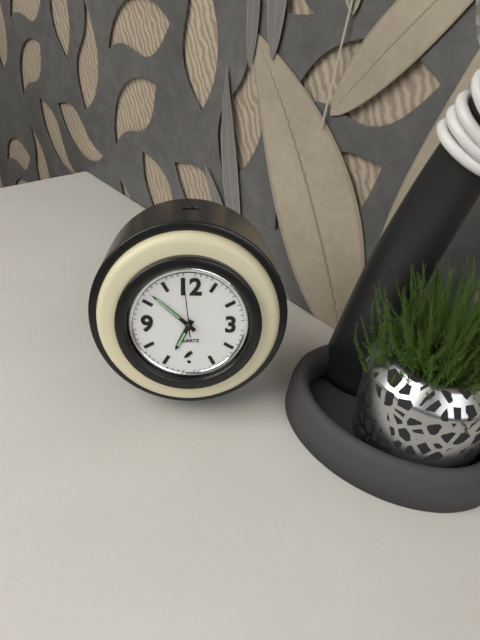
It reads 6,52,59
